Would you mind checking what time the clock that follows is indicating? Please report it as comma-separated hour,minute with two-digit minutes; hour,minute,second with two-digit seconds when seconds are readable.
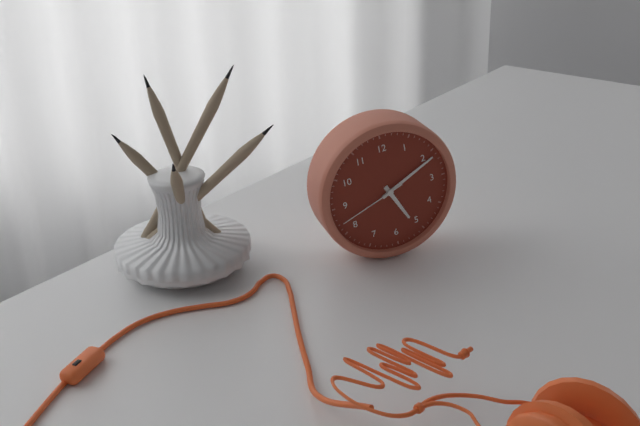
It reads 5,11,42
